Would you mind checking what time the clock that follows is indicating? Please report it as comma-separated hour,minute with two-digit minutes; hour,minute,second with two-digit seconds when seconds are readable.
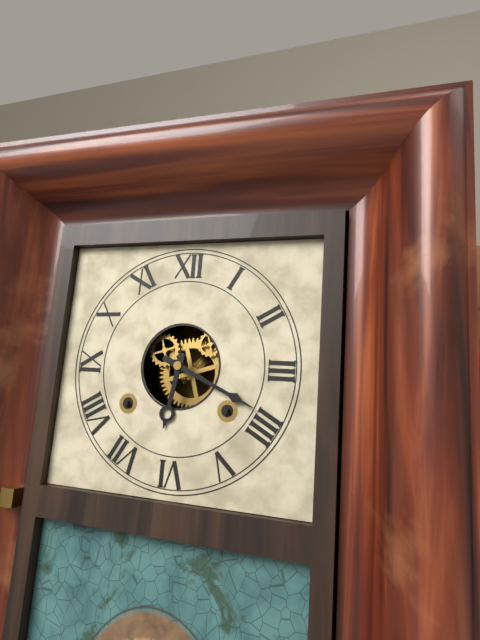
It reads 6,19
